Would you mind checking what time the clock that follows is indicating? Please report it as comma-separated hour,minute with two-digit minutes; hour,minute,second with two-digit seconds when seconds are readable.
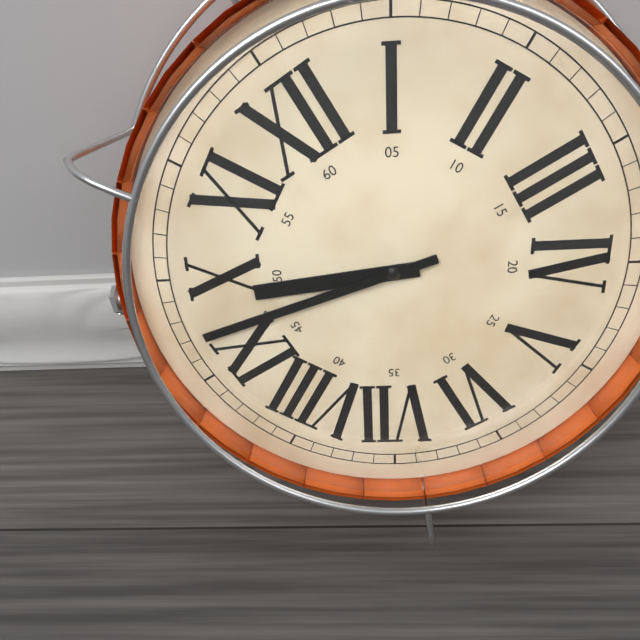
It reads 9,47
